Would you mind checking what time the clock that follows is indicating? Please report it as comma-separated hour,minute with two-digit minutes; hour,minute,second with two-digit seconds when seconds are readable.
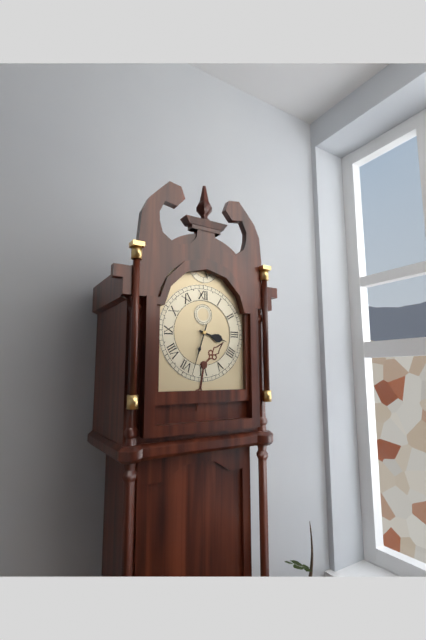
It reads 3,33
